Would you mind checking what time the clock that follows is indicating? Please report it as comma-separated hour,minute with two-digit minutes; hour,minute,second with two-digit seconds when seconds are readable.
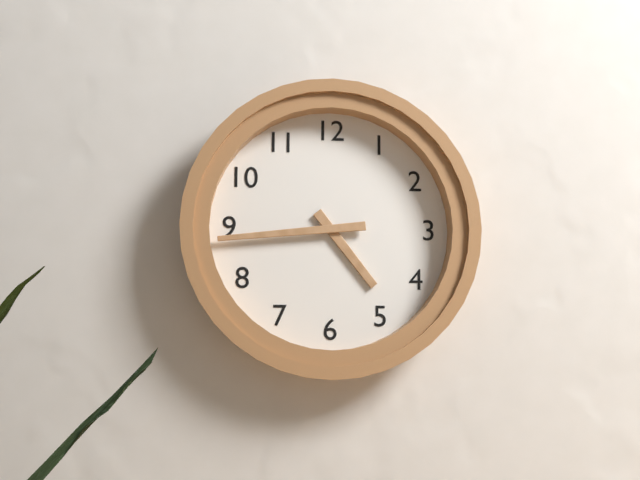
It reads 4,44
